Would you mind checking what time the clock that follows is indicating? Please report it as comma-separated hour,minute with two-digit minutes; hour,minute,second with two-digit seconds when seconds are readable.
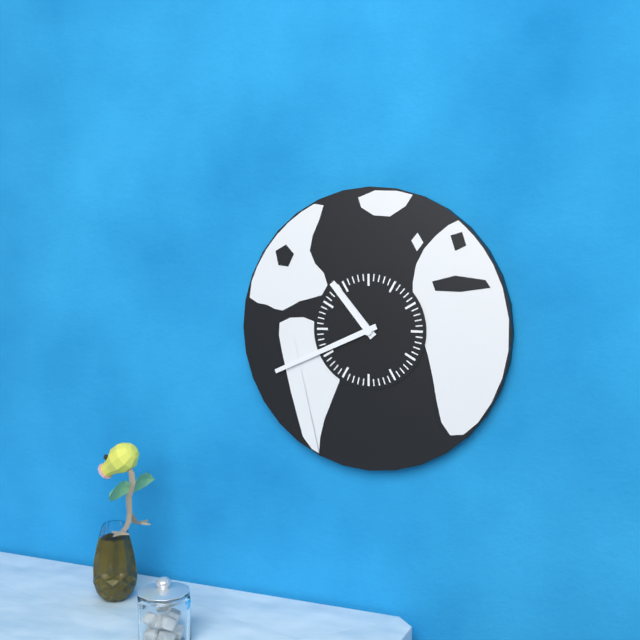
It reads 10,41
